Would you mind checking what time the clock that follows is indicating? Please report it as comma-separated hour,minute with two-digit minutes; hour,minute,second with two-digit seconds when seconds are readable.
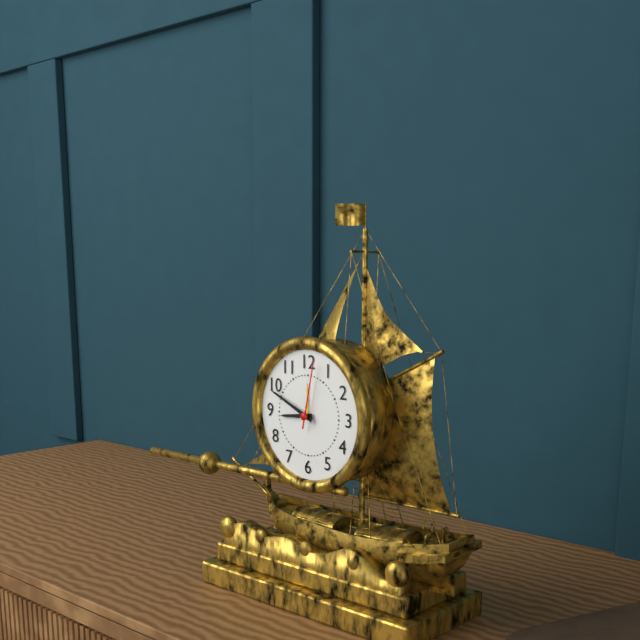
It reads 8,49,02
